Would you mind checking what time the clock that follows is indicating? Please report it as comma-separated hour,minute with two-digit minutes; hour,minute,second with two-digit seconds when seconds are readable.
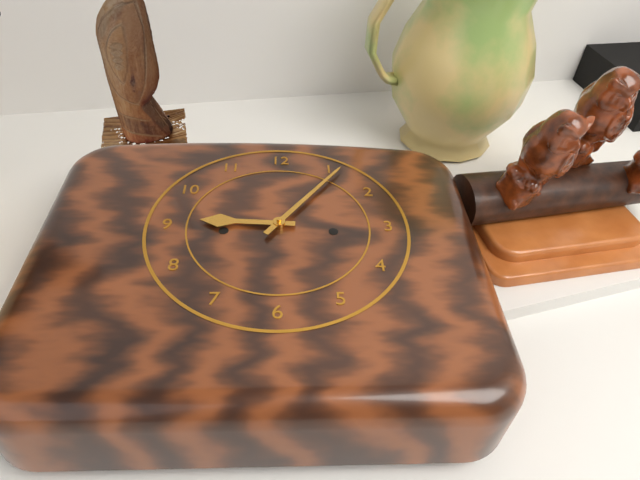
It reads 9,06
